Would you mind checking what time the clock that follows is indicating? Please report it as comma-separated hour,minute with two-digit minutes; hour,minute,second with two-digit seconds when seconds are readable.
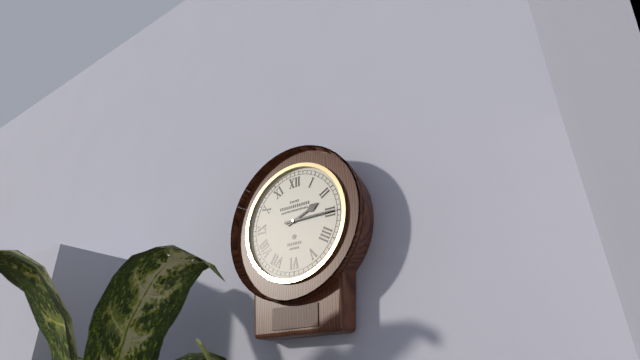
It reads 2,15
